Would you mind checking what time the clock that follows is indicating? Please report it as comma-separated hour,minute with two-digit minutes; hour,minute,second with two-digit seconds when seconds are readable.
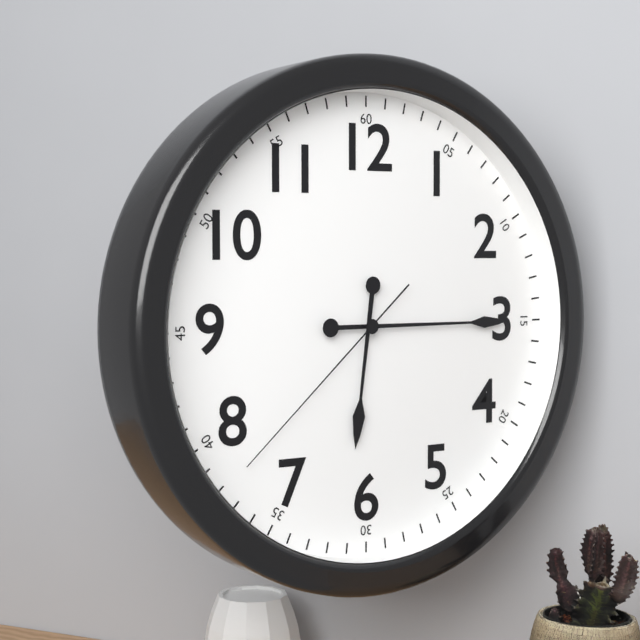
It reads 6,15,38
